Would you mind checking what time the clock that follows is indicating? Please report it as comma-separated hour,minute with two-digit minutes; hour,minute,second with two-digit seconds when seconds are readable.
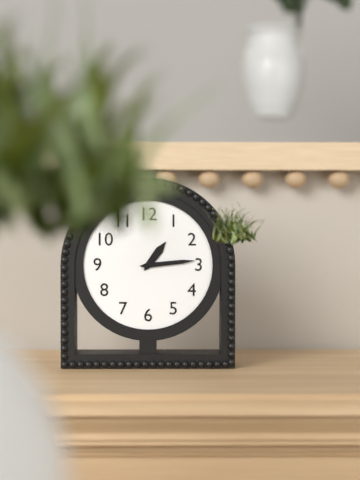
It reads 1,14
